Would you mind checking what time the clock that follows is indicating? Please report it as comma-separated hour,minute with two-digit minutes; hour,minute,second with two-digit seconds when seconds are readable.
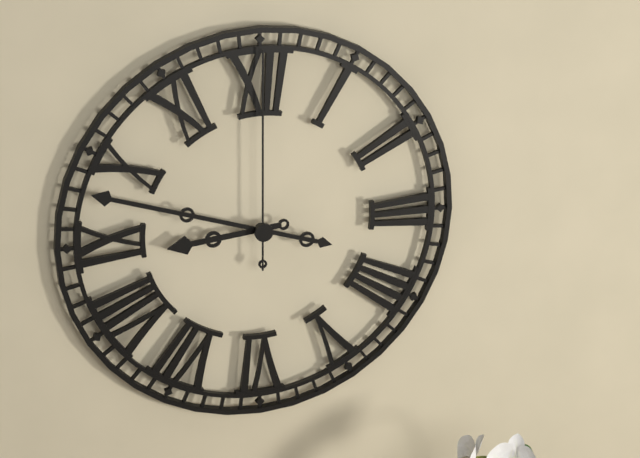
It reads 8,48,00
